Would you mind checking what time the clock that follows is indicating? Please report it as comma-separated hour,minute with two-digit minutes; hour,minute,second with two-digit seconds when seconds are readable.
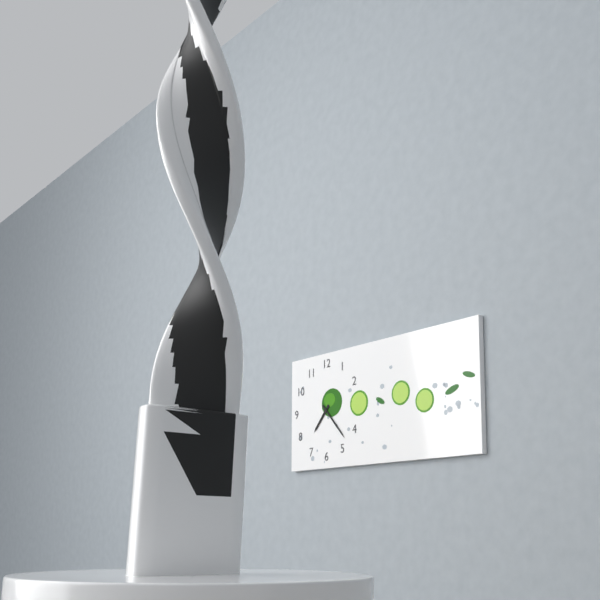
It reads 7,23
